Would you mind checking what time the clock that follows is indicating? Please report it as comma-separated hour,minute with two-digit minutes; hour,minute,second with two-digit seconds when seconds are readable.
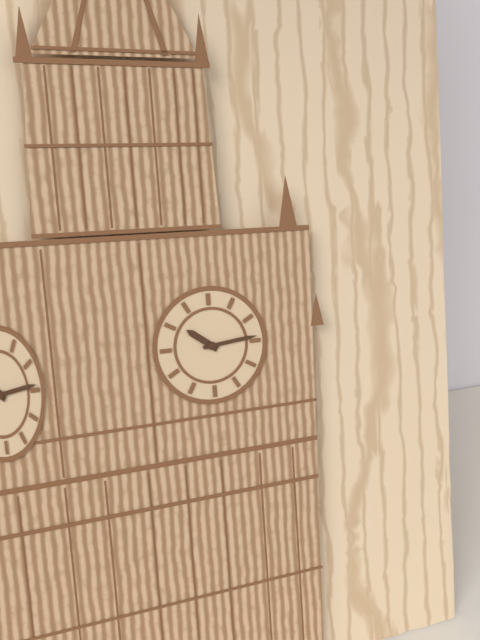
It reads 10,14
